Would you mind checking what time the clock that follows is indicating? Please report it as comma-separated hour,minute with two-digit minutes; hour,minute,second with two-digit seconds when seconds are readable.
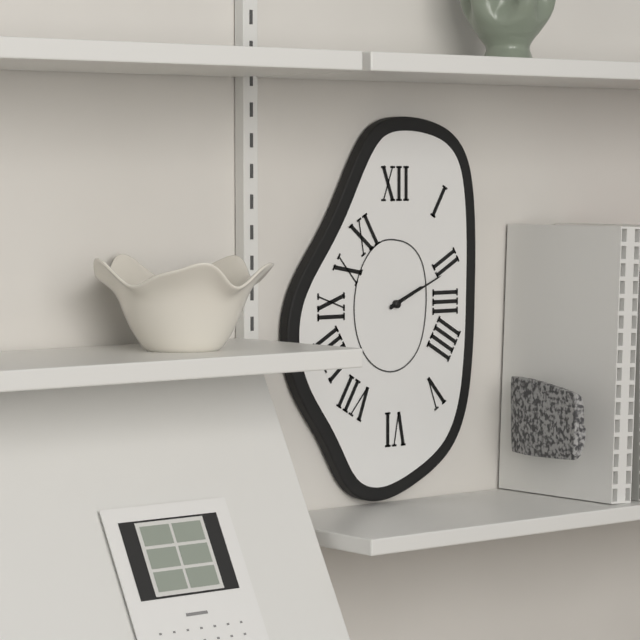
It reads 2,11
